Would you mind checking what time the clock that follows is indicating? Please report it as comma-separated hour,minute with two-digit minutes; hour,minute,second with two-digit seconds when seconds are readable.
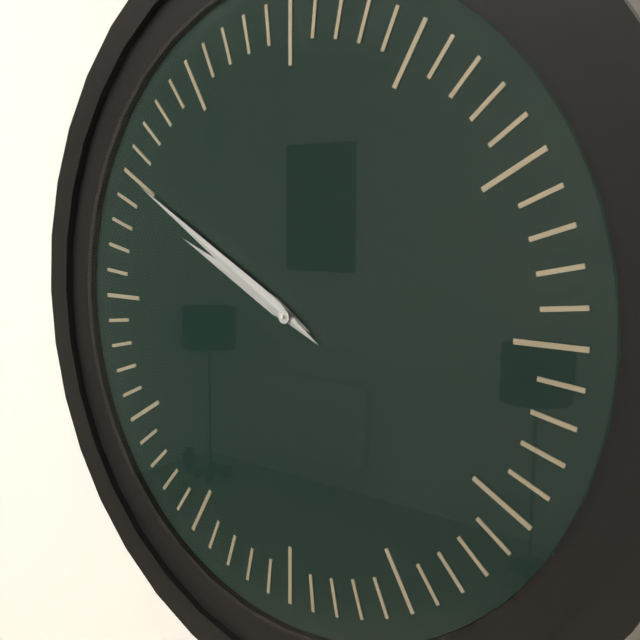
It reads 9,50
